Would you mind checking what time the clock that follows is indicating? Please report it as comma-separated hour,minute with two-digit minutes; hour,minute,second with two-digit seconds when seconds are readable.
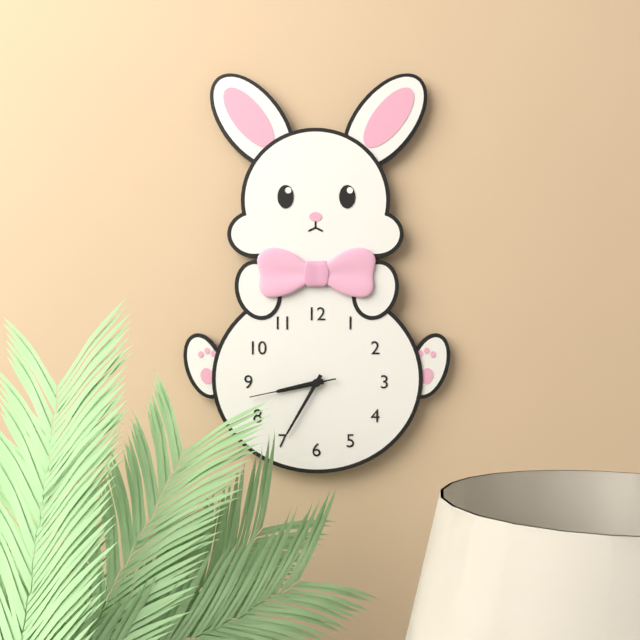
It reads 8,35,43
